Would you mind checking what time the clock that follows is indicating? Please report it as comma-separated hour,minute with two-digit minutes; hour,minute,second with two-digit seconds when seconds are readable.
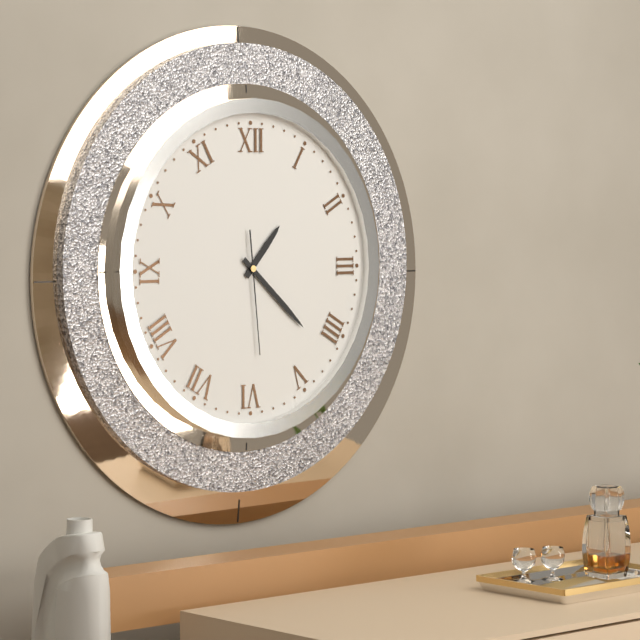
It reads 1,22,29
